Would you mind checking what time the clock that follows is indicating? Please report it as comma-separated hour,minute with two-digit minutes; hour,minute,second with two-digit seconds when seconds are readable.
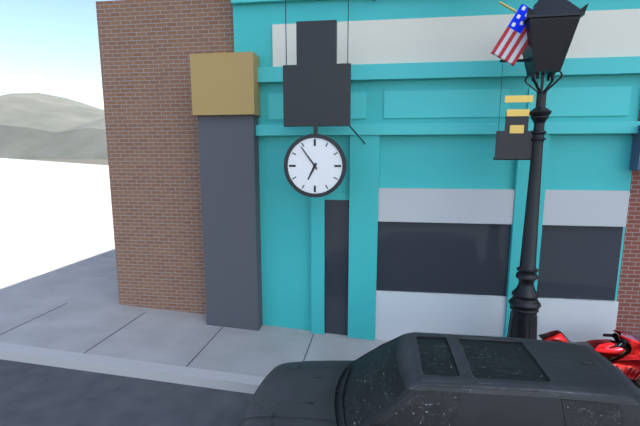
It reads 6,54
